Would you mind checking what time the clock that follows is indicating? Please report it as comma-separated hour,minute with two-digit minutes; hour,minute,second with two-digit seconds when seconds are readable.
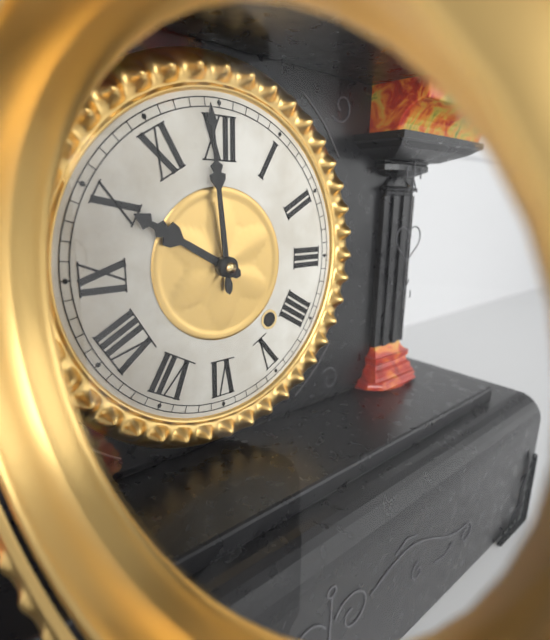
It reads 9,59
